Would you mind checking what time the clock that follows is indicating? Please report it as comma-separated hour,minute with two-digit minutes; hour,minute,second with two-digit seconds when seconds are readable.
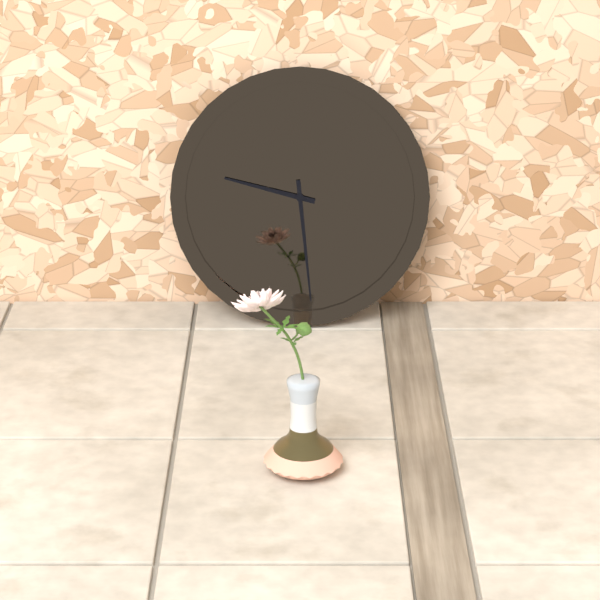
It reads 9,29
